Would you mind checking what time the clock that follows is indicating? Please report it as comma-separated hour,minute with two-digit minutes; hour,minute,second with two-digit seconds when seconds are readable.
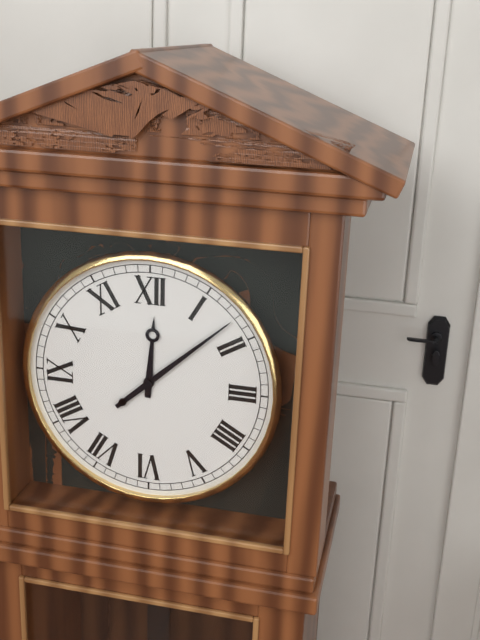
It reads 12,08
